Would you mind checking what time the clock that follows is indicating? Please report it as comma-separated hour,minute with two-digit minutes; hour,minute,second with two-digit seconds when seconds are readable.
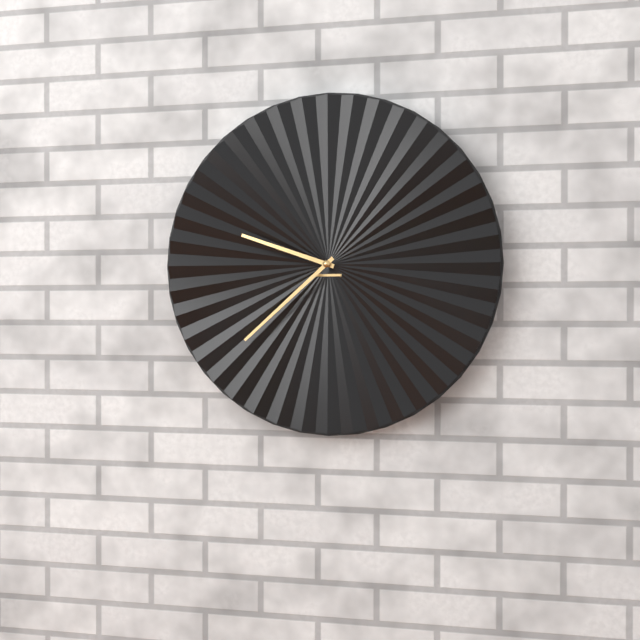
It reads 9,38
